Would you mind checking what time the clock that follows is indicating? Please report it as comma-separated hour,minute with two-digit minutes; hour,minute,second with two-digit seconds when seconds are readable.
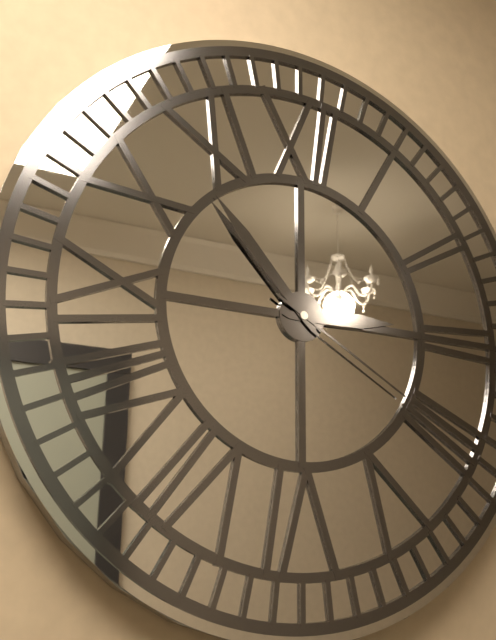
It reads 2,53,20
